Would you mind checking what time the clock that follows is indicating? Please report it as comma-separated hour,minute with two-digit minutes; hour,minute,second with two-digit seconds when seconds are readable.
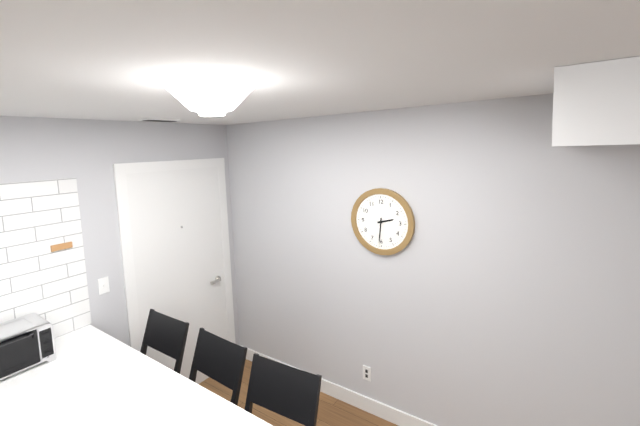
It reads 2,31
